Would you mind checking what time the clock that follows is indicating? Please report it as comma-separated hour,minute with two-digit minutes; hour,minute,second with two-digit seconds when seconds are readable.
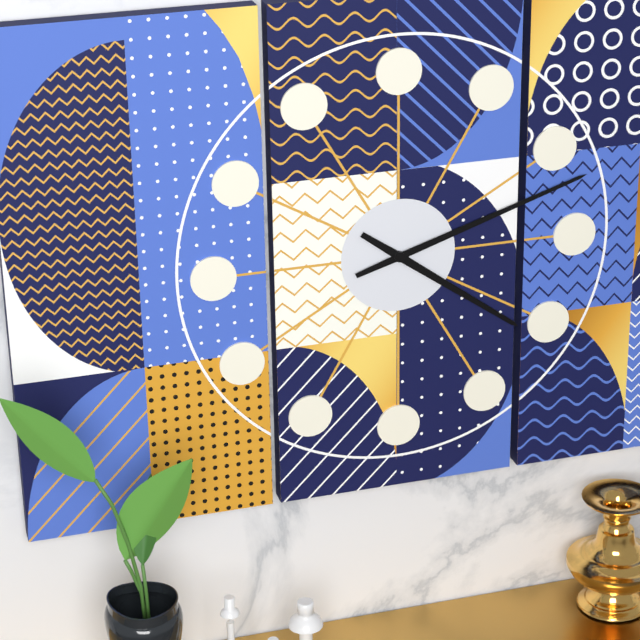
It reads 4,12
